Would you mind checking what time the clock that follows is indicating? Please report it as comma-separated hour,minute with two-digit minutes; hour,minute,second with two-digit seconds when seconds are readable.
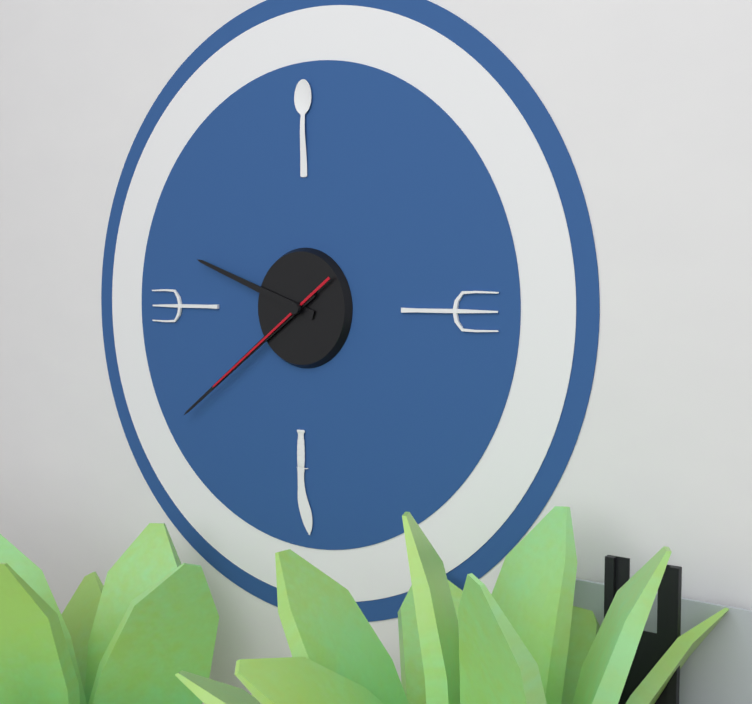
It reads 9,39,39
